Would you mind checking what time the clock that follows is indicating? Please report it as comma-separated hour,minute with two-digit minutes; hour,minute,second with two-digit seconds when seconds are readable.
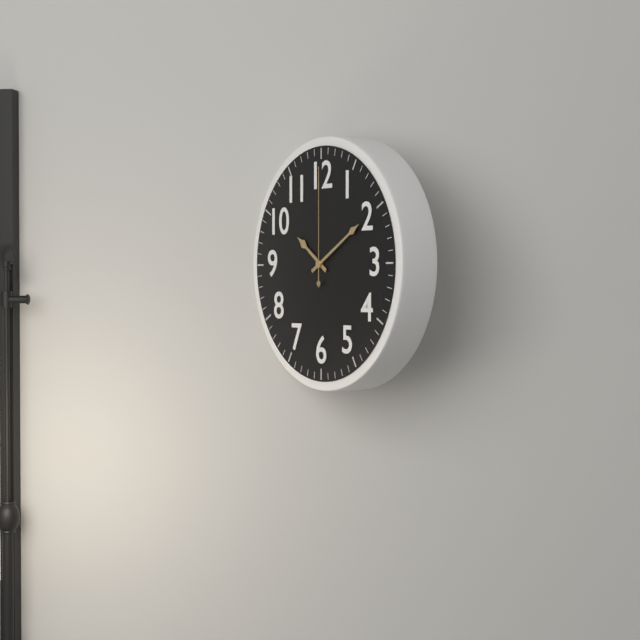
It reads 10,10,00
